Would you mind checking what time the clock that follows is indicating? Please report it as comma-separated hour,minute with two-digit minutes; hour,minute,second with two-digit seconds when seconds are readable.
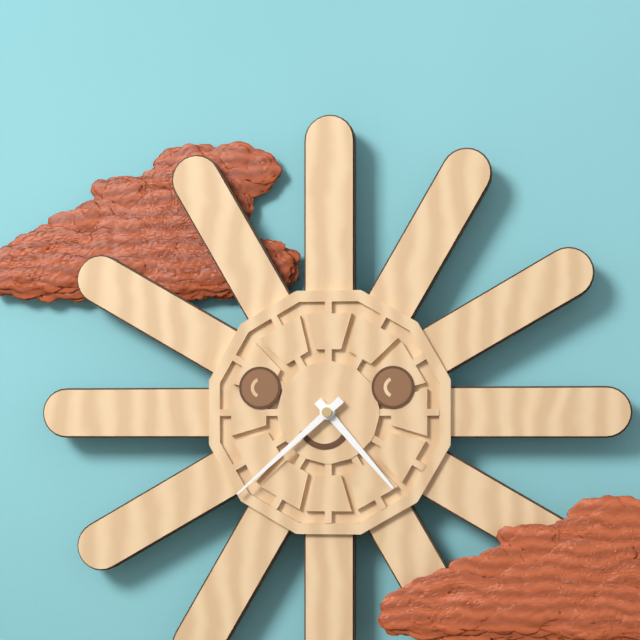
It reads 4,38
